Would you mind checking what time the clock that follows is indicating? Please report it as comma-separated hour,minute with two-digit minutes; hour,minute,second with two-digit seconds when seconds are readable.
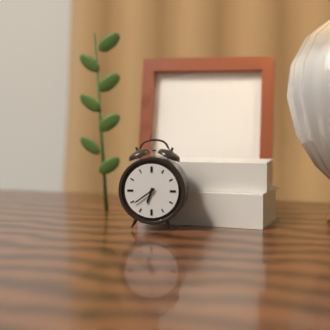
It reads 6,39
